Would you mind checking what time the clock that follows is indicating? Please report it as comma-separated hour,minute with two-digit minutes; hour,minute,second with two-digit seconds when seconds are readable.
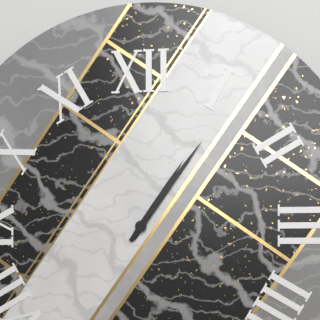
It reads 1,06
